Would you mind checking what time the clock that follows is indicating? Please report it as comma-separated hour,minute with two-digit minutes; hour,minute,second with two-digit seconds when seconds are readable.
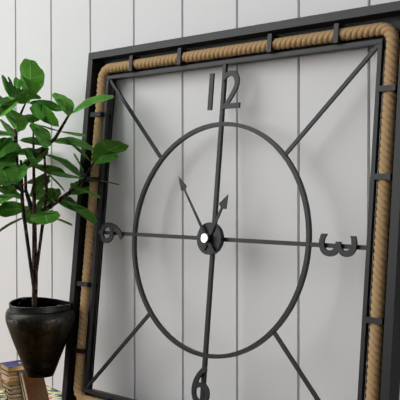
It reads 12,54
